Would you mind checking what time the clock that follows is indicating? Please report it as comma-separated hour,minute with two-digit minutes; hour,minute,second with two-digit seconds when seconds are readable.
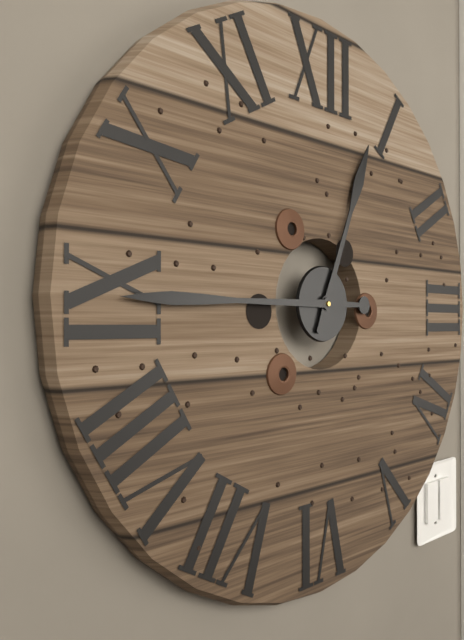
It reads 12,45
